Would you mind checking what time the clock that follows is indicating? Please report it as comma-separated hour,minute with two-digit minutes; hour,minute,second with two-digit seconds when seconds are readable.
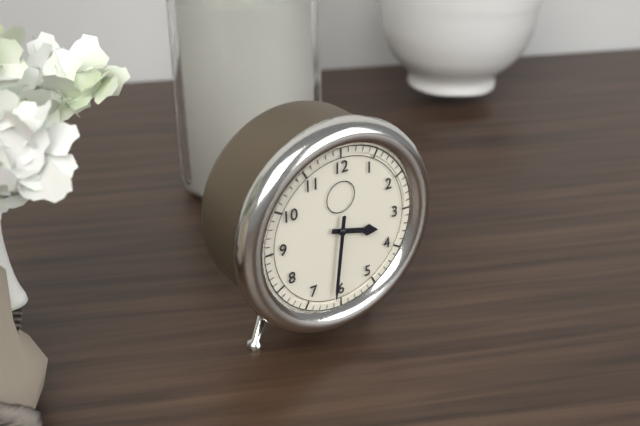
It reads 3,31
